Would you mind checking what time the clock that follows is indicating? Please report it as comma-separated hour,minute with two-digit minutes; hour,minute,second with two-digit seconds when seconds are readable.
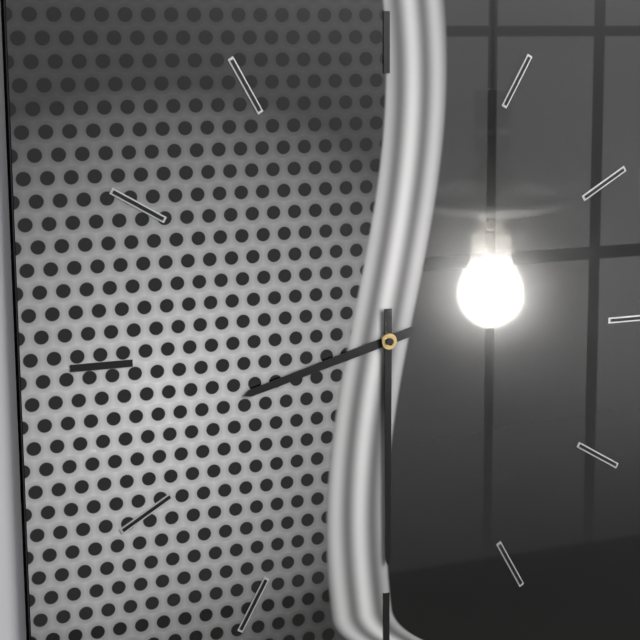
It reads 8,30
